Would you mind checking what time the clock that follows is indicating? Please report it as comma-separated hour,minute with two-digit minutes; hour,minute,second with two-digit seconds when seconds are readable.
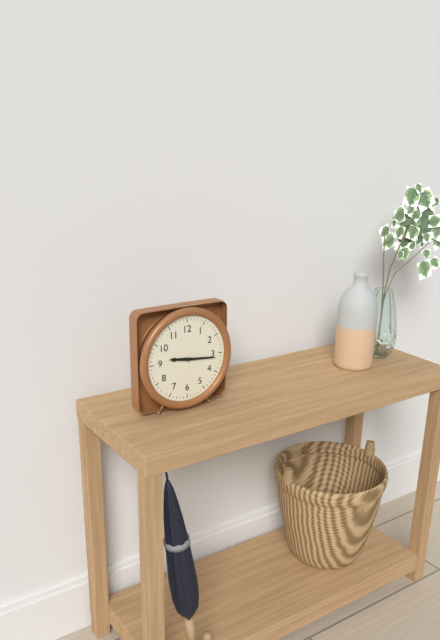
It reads 9,16
